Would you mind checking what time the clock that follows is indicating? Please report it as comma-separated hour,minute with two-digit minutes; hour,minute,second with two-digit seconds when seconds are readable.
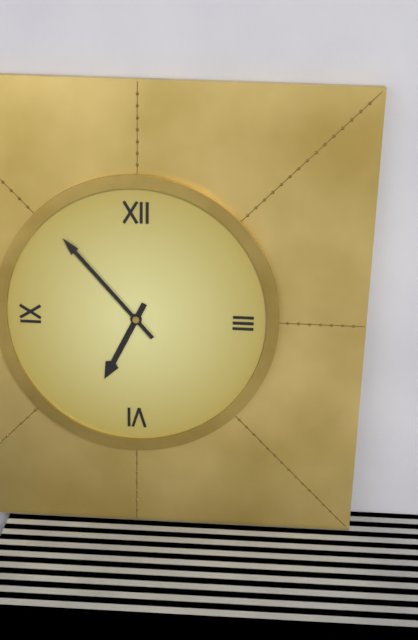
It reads 6,53
